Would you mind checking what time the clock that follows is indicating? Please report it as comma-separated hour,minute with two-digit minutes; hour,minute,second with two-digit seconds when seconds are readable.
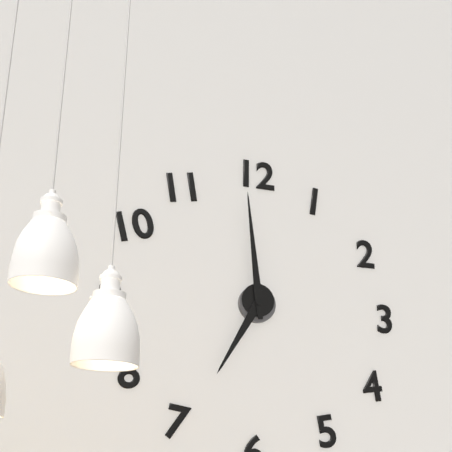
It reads 6,59
